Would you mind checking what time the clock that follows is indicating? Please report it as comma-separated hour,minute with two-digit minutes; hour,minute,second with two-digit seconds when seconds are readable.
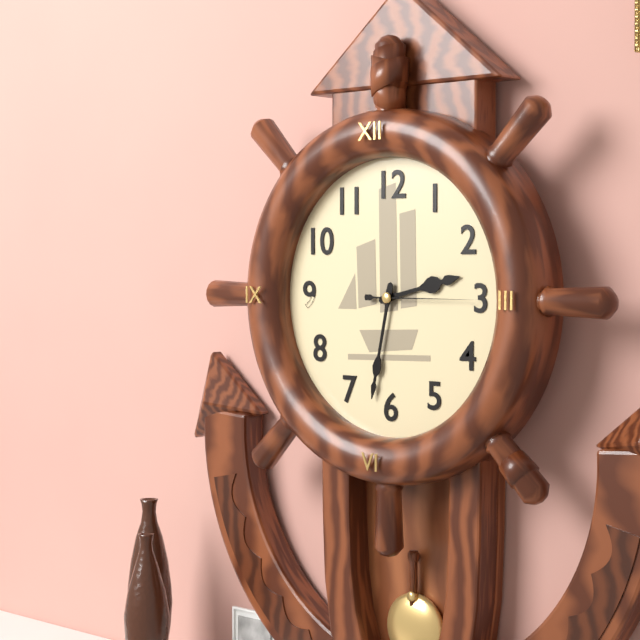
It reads 2,32,15
